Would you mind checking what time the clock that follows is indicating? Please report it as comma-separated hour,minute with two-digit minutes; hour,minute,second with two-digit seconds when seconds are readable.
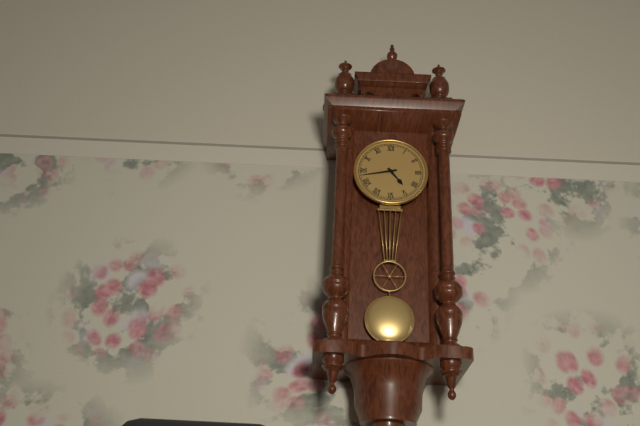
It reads 4,43
